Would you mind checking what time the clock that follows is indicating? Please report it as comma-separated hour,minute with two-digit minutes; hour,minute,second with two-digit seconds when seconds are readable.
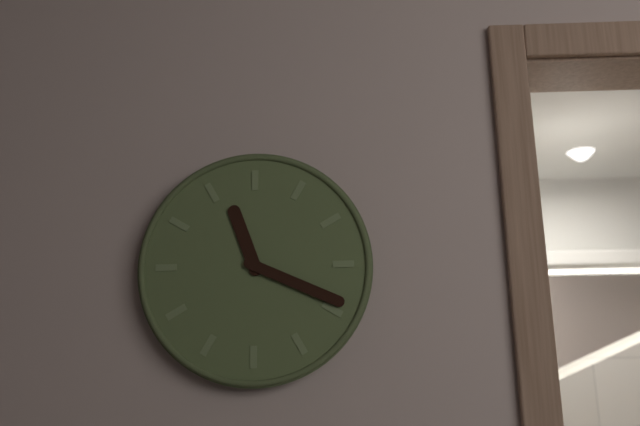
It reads 11,19
